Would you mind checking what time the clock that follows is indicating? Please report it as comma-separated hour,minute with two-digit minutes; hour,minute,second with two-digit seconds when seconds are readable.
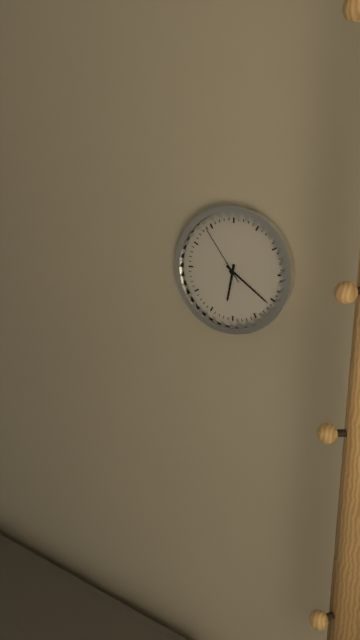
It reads 6,21,54
